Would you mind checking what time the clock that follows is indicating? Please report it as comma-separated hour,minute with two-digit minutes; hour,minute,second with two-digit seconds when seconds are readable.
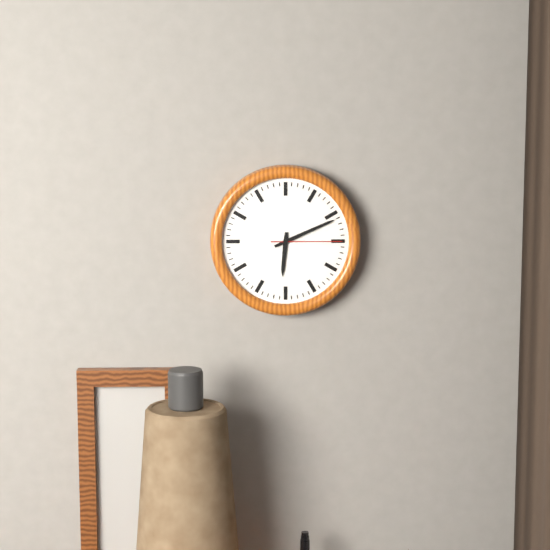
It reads 6,11,15
